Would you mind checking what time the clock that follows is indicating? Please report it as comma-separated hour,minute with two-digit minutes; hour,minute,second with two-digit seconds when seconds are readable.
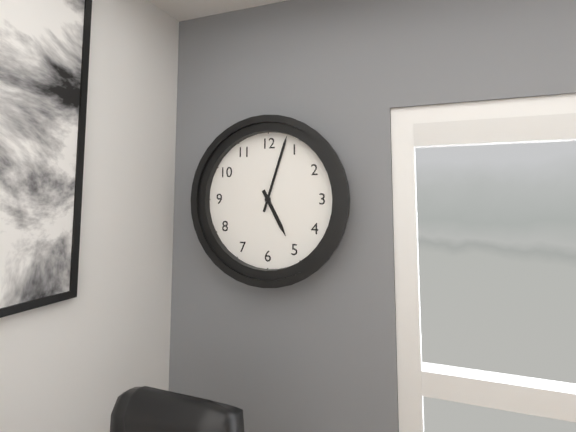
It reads 5,03
